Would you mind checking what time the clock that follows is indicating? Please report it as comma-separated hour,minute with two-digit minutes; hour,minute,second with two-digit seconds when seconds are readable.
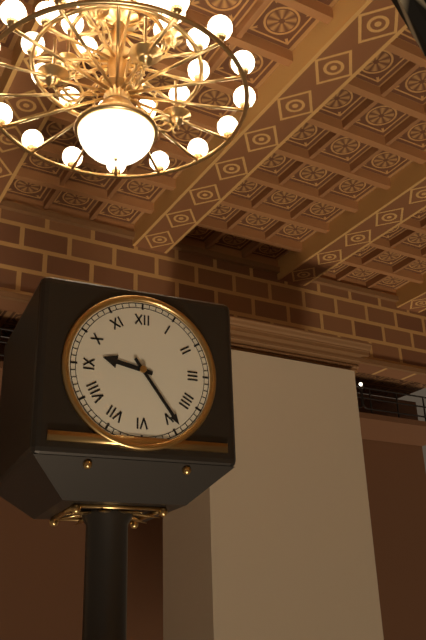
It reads 9,24
